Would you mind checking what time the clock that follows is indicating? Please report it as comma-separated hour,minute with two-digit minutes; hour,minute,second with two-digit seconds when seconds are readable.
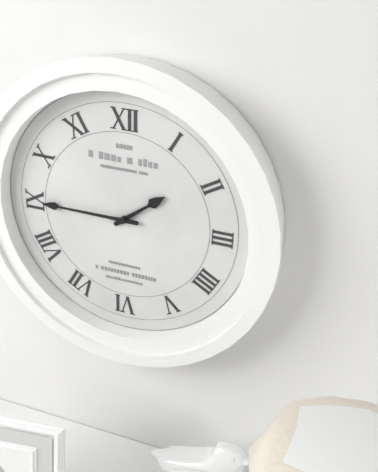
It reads 1,45
